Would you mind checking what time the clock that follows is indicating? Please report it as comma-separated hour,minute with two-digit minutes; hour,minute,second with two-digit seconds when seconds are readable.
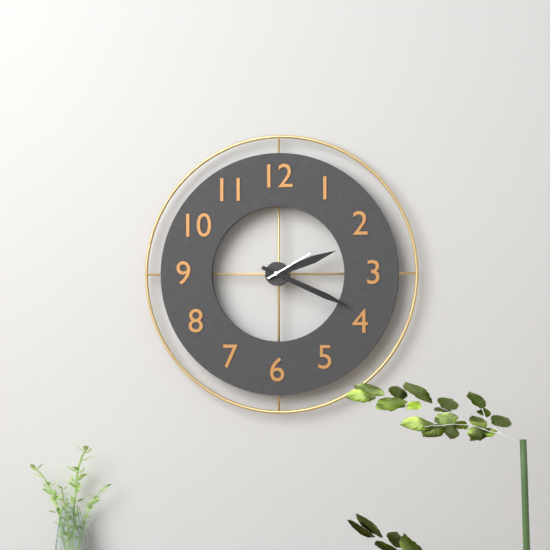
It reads 2,19,10
